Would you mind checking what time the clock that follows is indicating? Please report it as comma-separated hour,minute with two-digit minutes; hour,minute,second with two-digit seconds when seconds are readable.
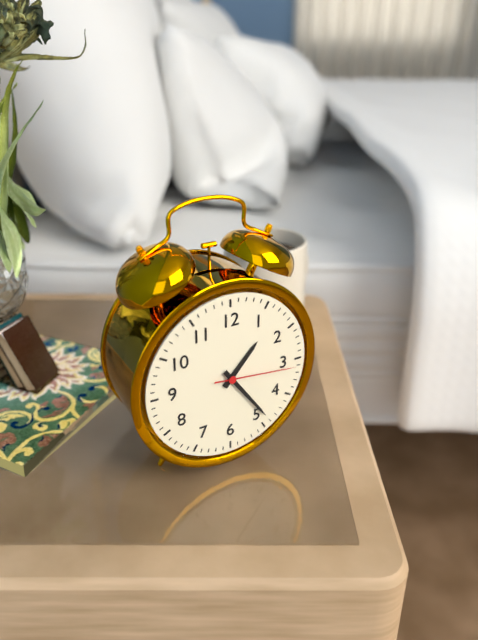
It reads 1,24,16
